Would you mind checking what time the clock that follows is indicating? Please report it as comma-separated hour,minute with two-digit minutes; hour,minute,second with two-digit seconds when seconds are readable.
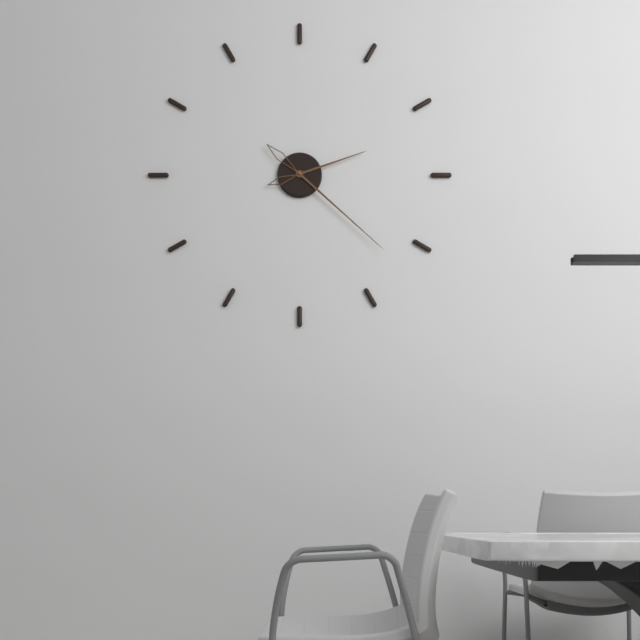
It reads 2,22
